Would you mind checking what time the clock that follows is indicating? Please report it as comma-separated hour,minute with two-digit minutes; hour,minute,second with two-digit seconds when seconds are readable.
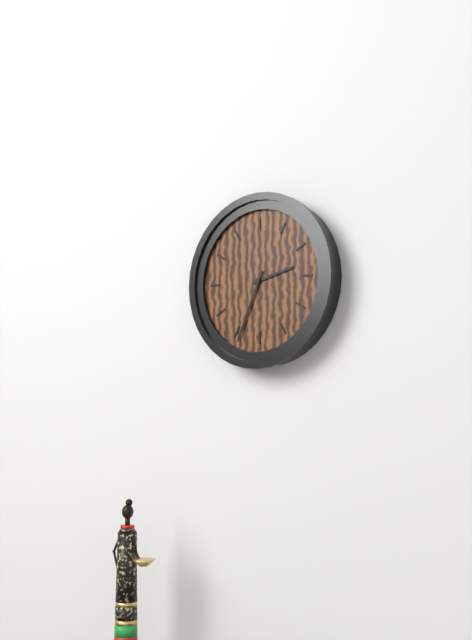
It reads 2,34
